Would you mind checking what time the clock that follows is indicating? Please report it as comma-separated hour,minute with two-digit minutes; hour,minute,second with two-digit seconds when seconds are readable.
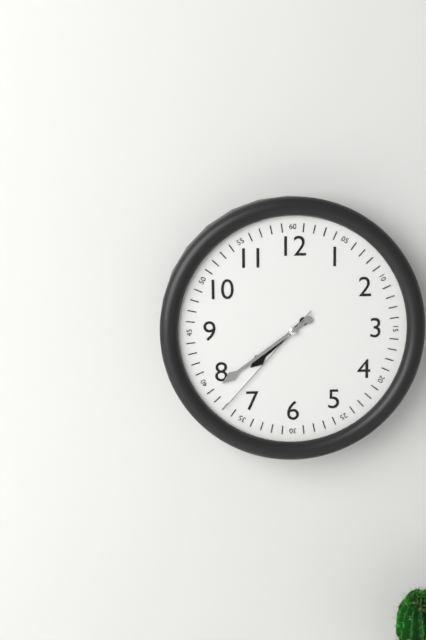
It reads 7,39,37
